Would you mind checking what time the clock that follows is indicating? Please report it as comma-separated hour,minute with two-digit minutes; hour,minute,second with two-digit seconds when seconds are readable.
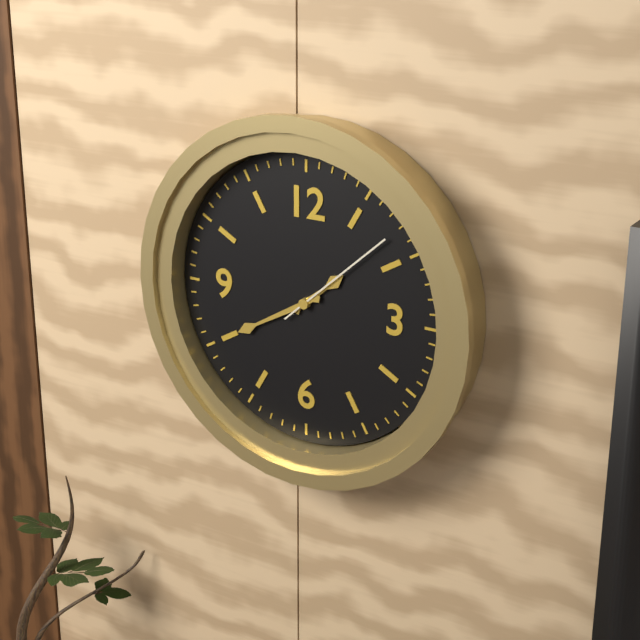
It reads 1,40,08
